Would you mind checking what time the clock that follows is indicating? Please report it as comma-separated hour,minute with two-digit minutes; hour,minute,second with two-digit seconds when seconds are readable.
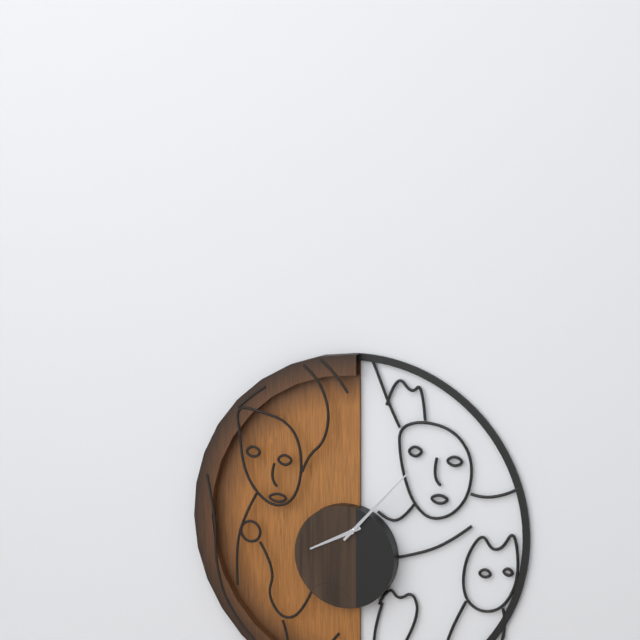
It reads 8,07
